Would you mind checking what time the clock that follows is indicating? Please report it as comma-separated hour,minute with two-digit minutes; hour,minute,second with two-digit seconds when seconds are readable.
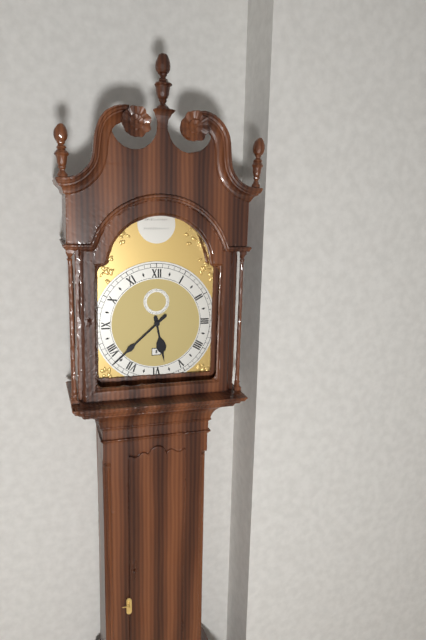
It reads 5,38
